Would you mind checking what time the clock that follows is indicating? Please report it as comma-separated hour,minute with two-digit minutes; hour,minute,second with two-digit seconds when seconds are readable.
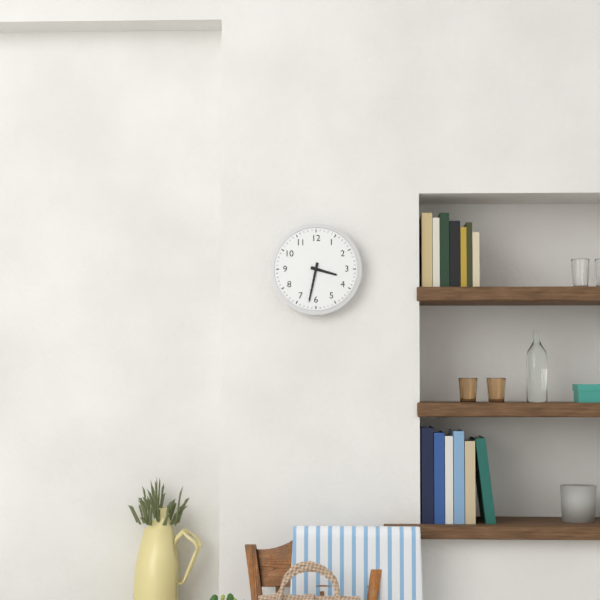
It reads 3,32
